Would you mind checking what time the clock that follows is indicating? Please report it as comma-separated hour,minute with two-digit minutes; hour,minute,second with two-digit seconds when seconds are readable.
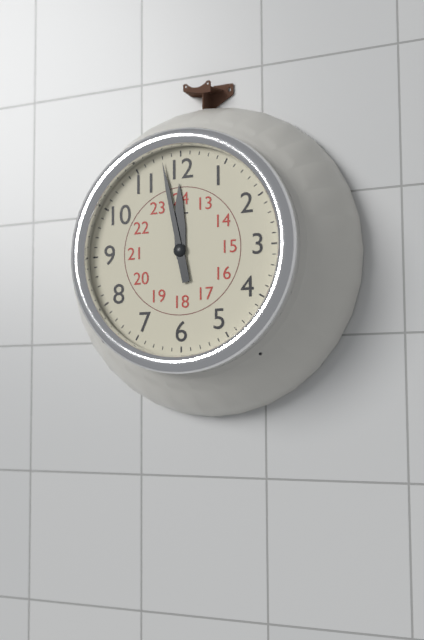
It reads 11,58
